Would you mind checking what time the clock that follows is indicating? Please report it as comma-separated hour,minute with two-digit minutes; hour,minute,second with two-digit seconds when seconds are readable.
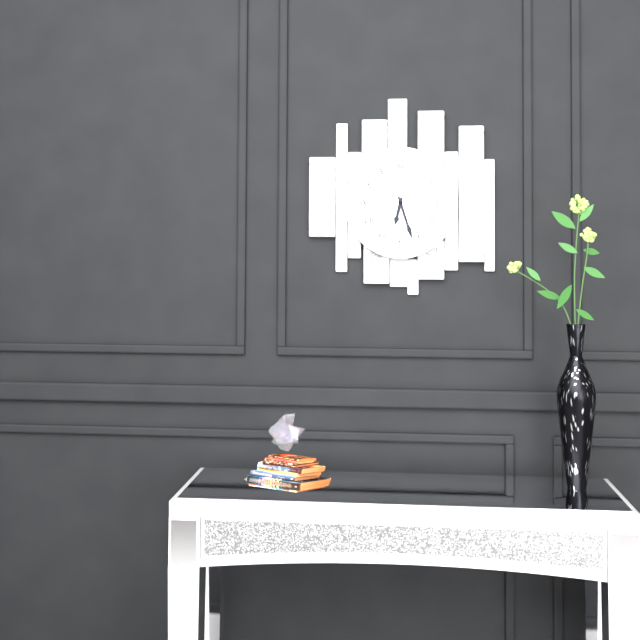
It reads 6,27
